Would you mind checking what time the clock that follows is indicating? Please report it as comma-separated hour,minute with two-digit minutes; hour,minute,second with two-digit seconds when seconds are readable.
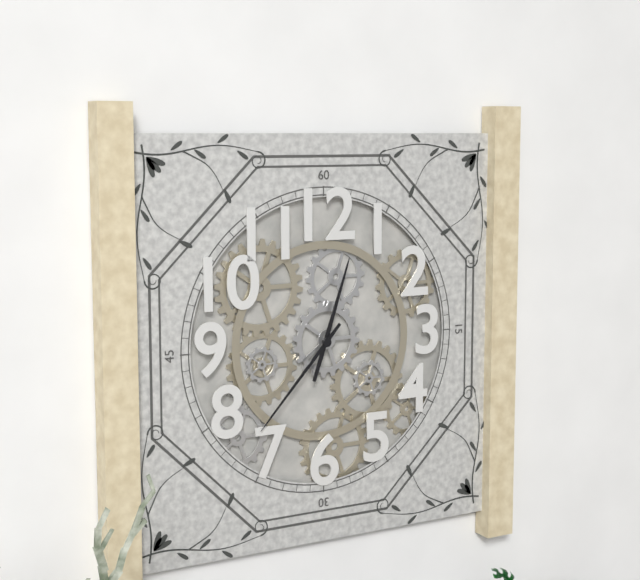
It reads 12,37
